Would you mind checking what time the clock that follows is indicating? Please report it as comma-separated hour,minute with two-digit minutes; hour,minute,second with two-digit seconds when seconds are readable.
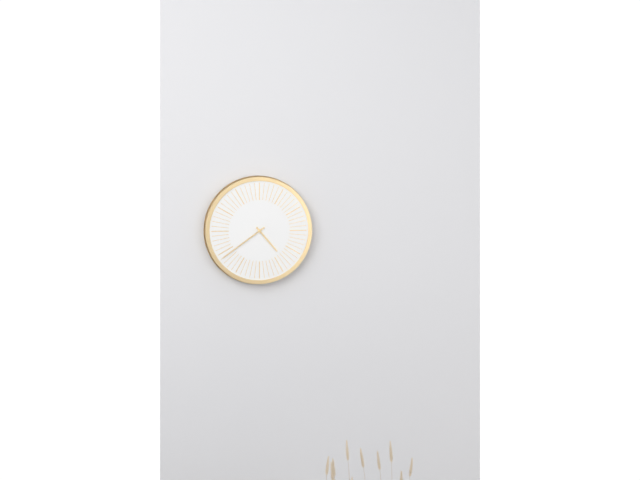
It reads 4,39
